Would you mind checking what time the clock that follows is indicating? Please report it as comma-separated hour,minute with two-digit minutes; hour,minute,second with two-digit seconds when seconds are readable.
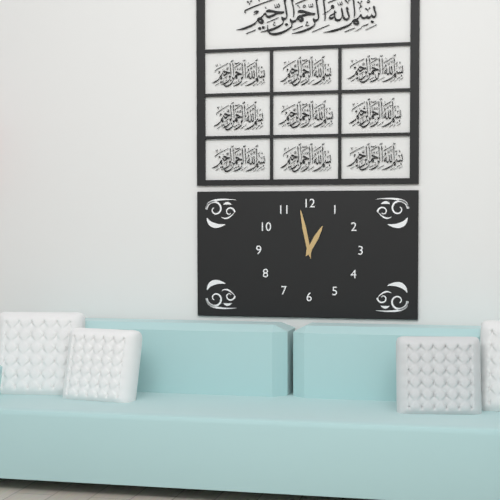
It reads 12,58
